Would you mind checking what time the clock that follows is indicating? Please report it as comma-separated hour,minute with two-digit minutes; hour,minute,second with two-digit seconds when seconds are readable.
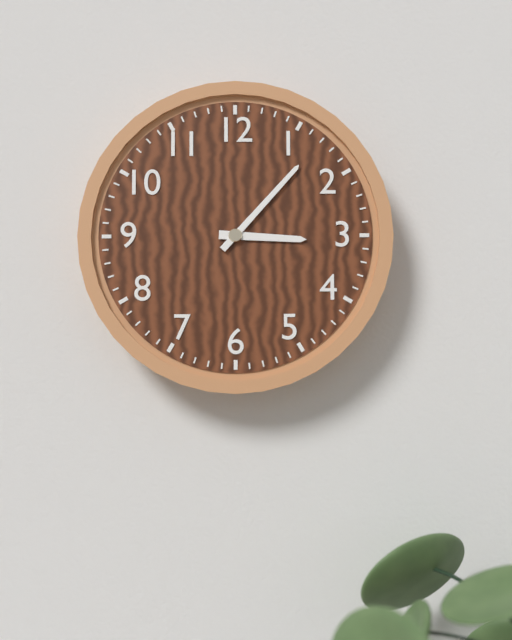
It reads 3,07
